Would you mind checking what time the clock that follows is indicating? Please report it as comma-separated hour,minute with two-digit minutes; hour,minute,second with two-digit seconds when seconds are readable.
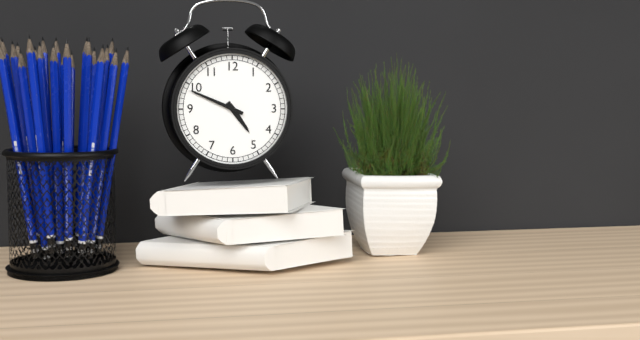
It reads 4,49
